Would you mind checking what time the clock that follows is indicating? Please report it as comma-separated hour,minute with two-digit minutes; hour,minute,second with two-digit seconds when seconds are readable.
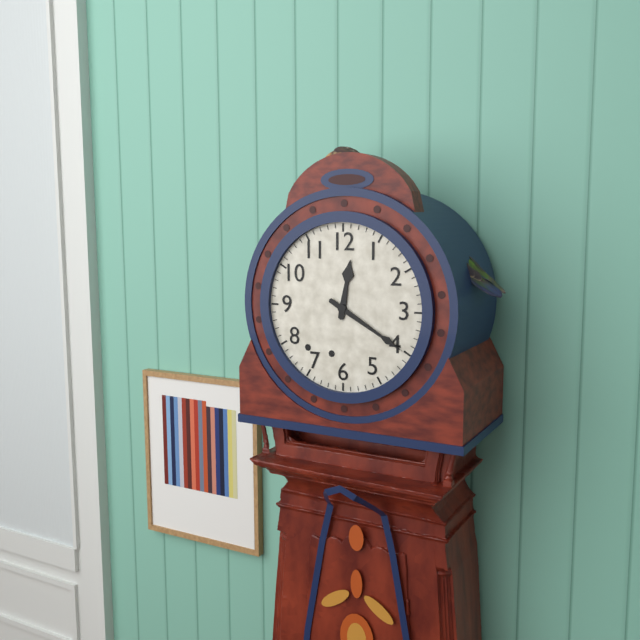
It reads 12,20
